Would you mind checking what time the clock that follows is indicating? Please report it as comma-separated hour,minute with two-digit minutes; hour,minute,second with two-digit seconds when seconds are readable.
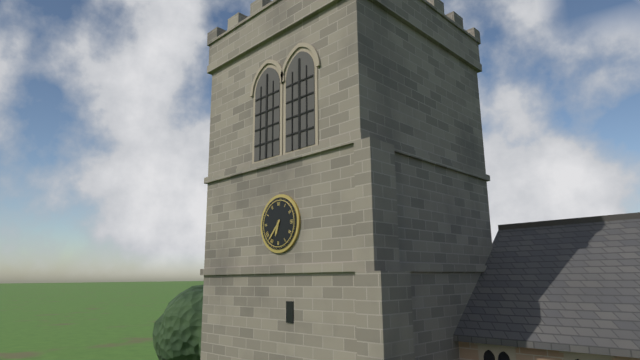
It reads 6,37
